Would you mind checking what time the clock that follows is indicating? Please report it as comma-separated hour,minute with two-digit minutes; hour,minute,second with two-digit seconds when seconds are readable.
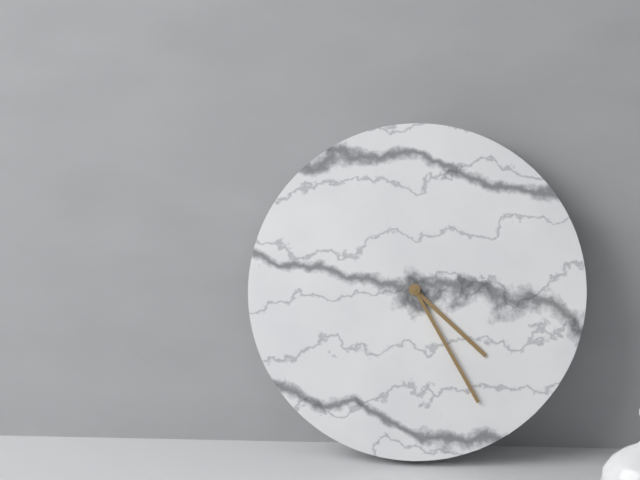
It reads 4,25
